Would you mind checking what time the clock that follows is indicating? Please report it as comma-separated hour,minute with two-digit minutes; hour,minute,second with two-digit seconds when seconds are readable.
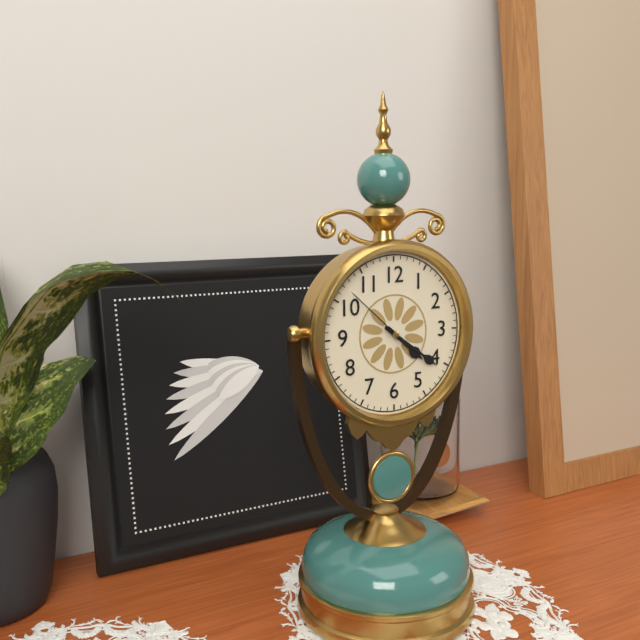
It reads 4,21,52
